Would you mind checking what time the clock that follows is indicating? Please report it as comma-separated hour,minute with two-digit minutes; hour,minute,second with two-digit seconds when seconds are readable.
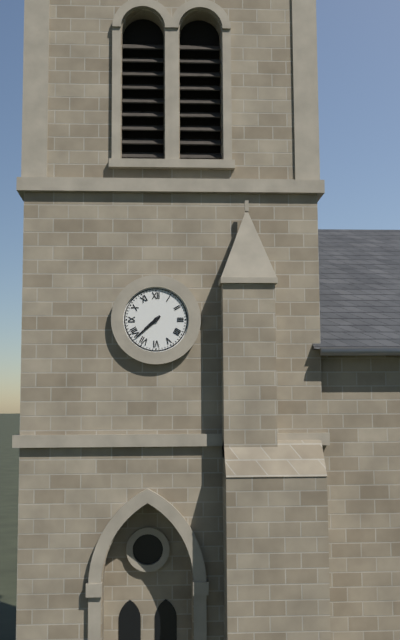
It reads 7,38
